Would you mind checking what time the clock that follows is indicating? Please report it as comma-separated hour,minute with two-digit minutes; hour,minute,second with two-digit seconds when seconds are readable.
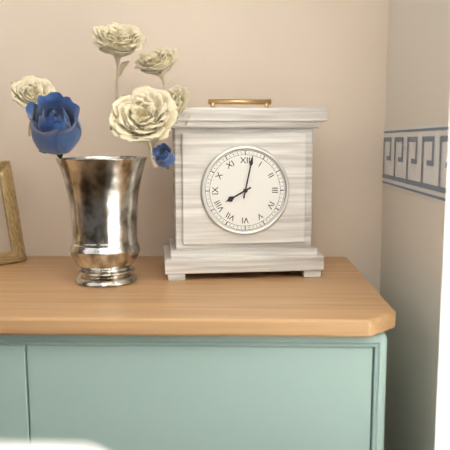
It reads 8,02
